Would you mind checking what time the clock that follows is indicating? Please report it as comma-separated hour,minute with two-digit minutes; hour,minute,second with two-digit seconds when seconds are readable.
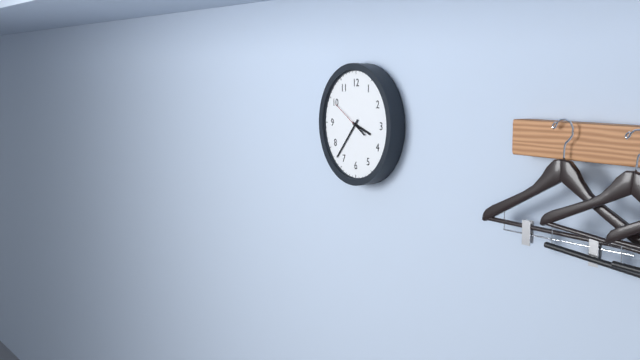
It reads 3,37
